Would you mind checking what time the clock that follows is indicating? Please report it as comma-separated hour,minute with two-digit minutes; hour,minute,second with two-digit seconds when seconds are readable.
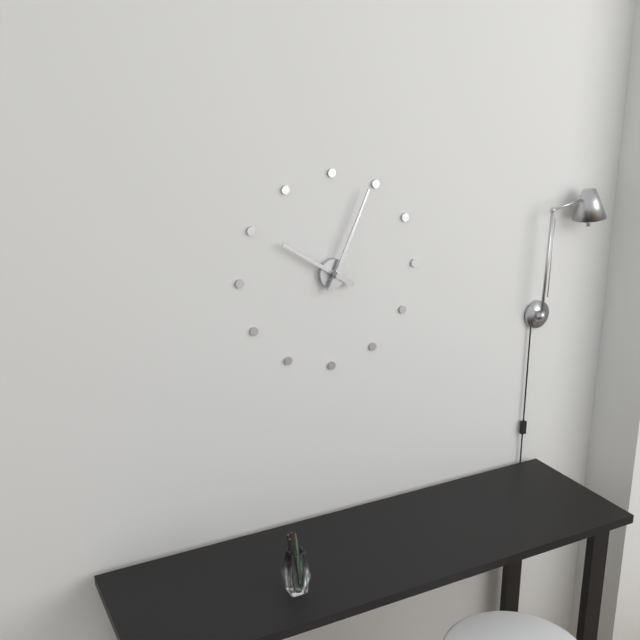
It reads 10,04
